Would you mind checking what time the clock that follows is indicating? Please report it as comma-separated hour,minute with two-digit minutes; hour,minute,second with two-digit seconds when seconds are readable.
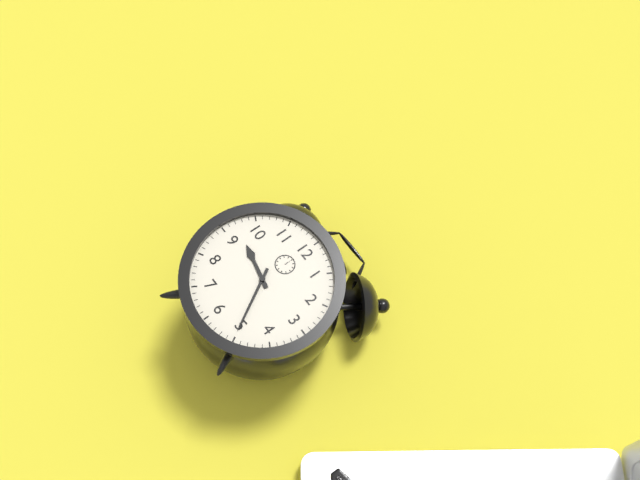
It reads 9,25
